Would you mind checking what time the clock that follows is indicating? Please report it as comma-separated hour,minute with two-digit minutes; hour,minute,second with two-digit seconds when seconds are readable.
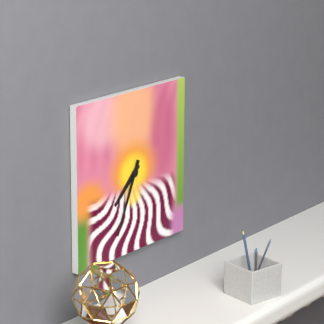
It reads 7,34
